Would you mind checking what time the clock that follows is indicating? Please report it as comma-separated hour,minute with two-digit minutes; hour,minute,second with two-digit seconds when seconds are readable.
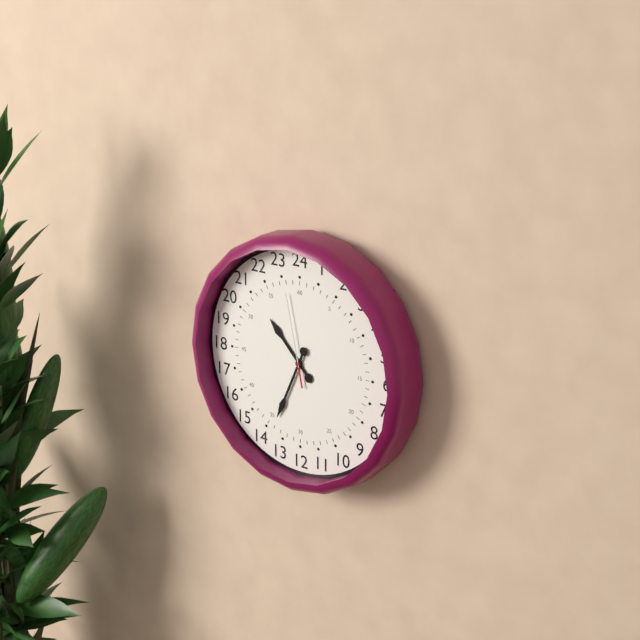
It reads 10,34,58
